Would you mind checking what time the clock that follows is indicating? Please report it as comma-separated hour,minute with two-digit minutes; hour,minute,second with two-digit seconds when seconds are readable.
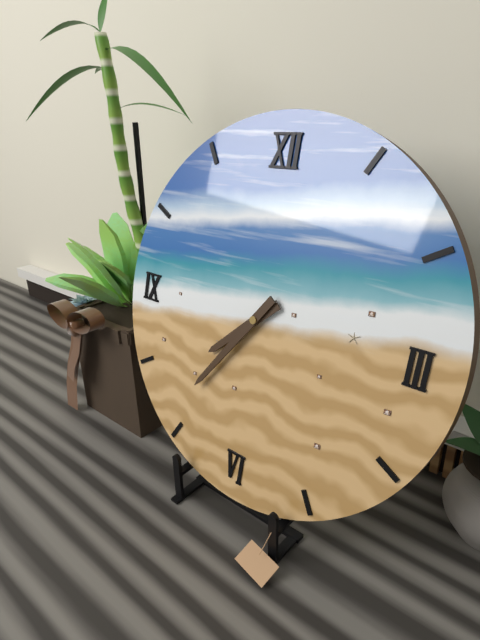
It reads 7,36
